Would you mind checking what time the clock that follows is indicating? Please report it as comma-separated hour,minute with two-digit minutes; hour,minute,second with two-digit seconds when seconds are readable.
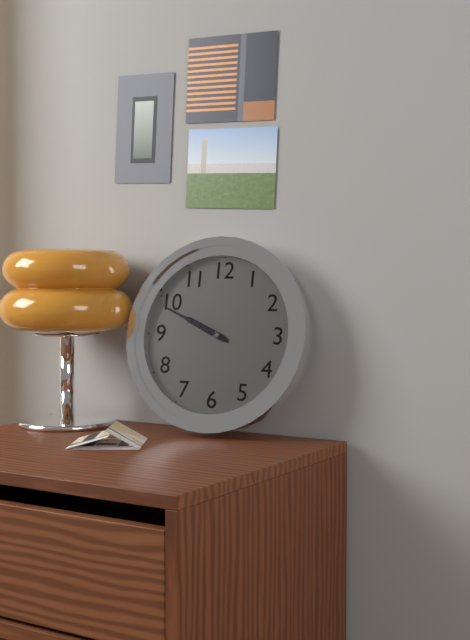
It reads 9,49
